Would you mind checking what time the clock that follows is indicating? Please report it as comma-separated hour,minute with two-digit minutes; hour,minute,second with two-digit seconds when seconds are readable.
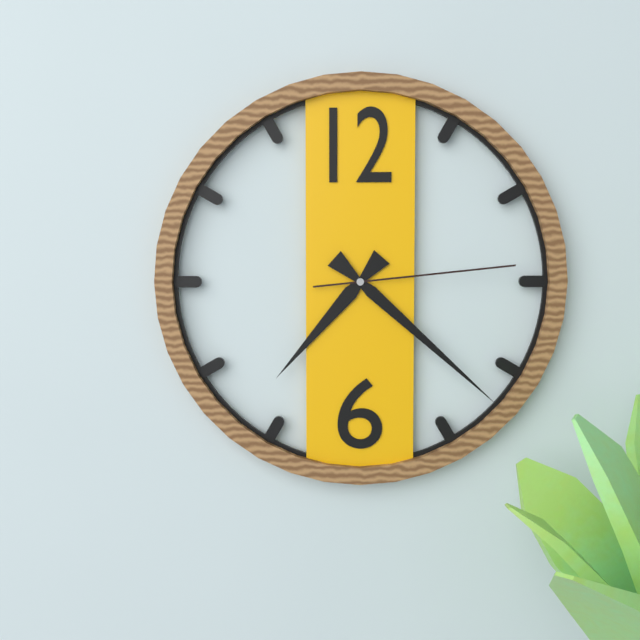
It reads 7,22,14
